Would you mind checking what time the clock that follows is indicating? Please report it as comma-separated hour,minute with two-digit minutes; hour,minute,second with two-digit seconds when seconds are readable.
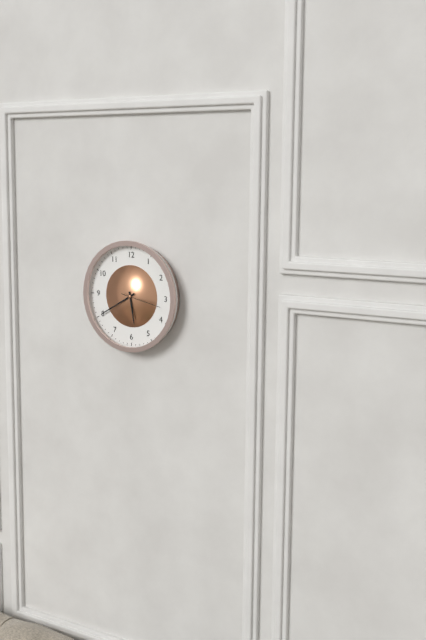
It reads 5,40
